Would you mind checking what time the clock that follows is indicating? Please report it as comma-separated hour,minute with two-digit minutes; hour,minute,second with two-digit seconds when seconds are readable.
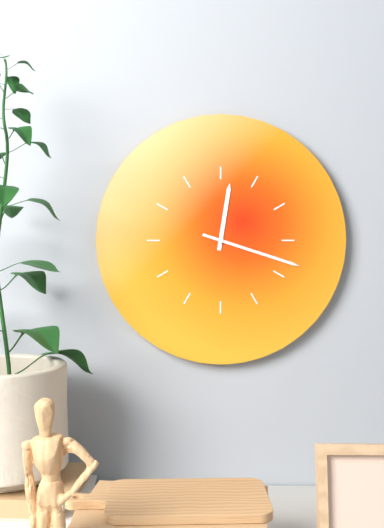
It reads 12,18
